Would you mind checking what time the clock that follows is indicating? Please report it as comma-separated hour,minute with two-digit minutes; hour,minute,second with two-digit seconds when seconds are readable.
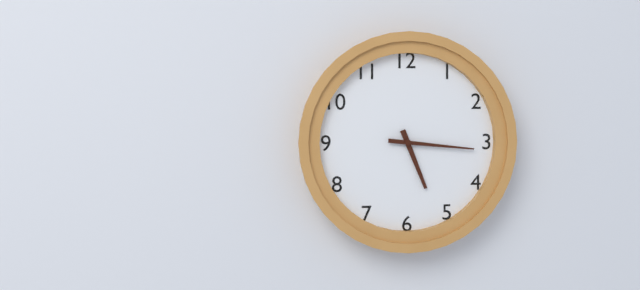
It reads 5,16
